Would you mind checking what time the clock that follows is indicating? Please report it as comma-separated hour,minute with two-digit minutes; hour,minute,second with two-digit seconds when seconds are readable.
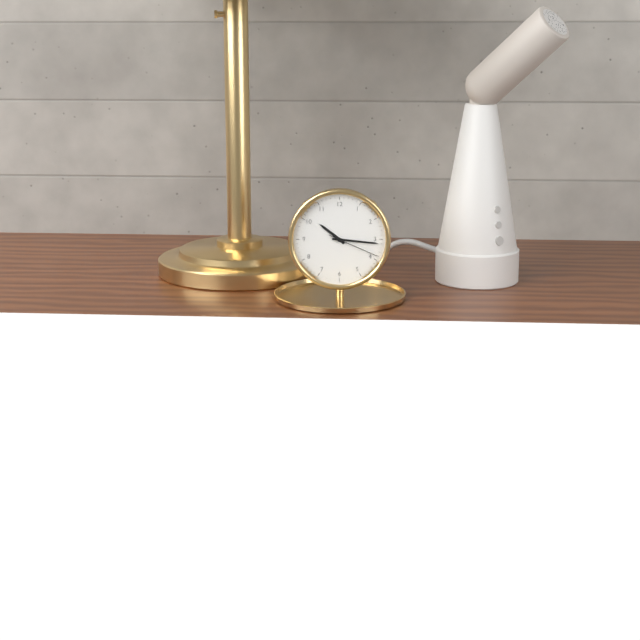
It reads 10,16,19
